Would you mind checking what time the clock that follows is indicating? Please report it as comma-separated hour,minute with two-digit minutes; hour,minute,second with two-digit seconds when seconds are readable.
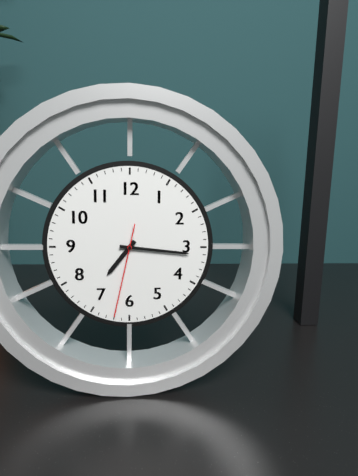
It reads 7,16,32
